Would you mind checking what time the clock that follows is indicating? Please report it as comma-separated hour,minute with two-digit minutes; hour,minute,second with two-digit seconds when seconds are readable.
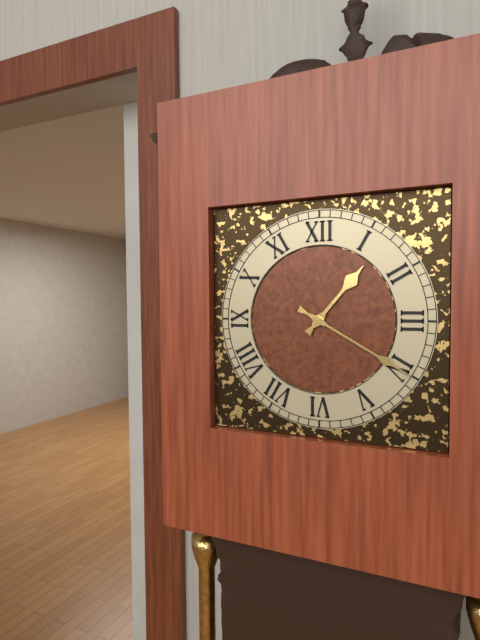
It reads 1,20
